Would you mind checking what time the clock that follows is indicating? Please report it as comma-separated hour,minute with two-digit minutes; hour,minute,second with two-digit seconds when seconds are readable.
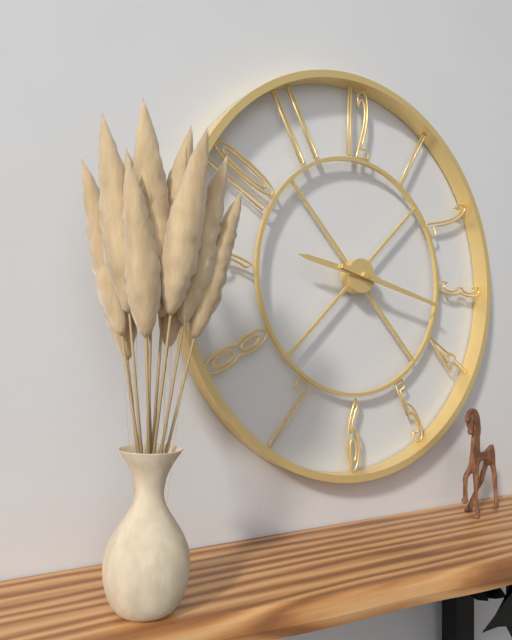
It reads 9,17
